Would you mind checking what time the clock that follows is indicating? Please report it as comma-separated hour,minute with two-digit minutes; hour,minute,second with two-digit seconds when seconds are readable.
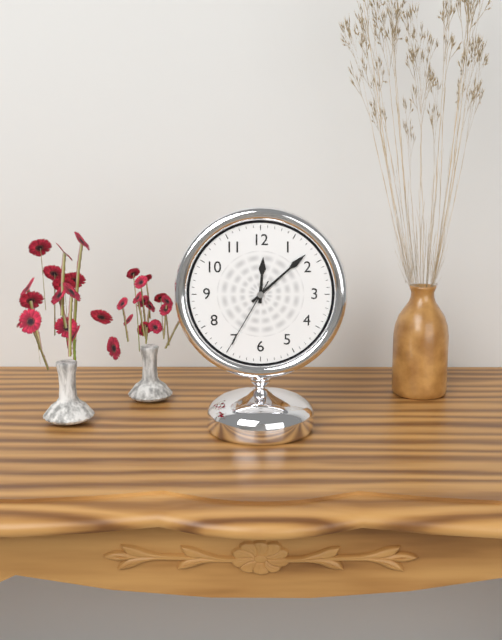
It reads 12,08,35
